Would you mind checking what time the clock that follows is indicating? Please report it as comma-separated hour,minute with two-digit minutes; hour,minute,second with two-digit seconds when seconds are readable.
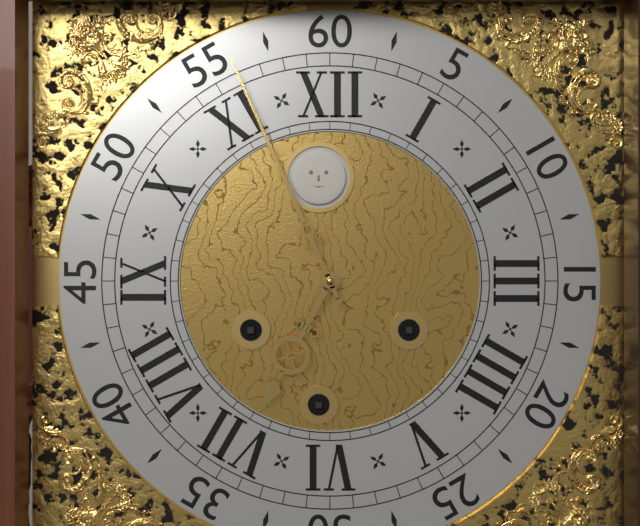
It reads 6,56
